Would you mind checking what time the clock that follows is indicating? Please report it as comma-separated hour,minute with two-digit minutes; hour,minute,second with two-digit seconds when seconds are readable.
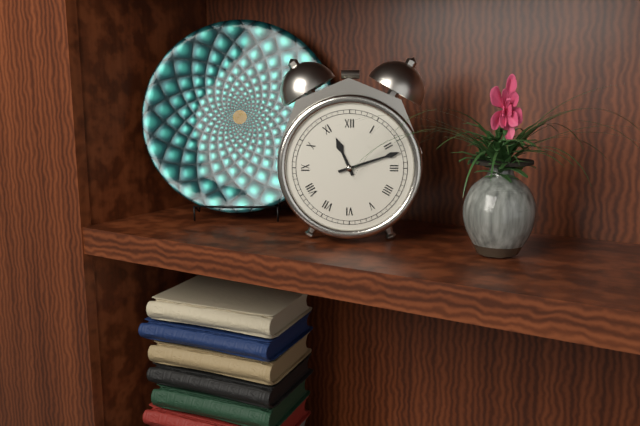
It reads 11,12
